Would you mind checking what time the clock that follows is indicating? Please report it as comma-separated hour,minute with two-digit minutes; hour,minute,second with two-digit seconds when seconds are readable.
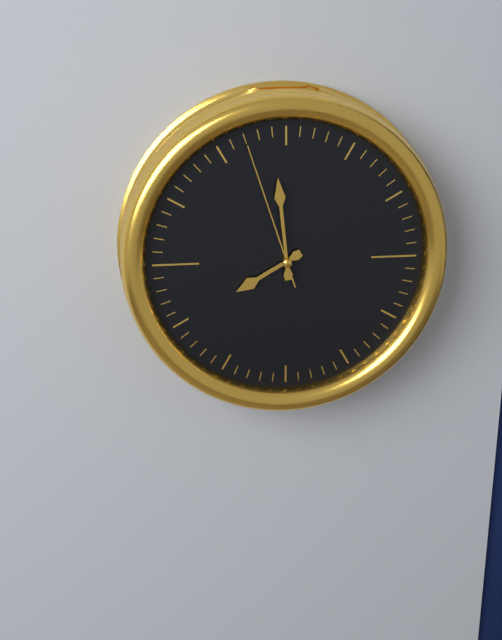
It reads 7,59,57
